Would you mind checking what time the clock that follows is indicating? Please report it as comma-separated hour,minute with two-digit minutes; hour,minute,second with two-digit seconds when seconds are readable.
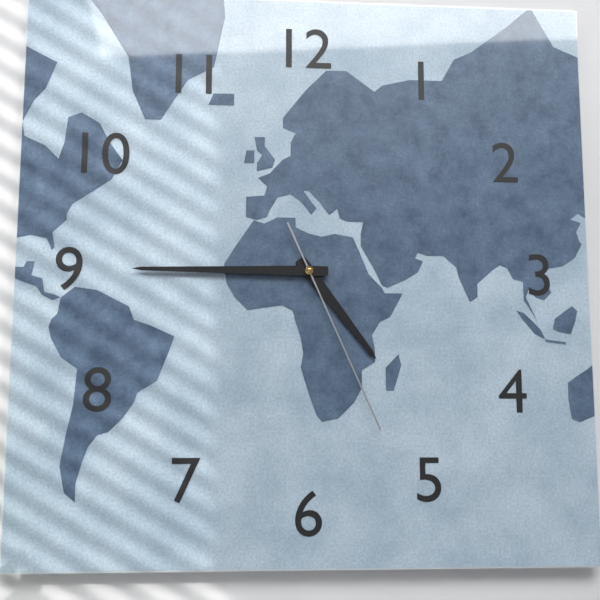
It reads 4,45,26
